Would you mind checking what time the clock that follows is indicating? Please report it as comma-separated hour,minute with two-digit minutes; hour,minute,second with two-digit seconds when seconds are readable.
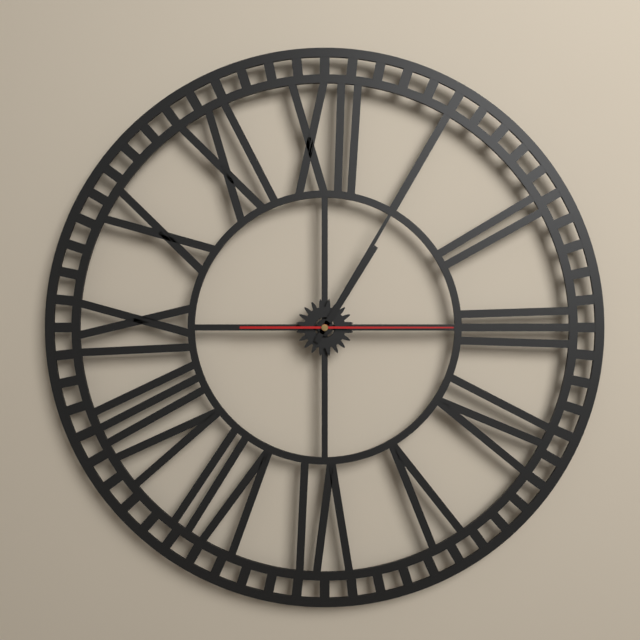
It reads 1,05,15
